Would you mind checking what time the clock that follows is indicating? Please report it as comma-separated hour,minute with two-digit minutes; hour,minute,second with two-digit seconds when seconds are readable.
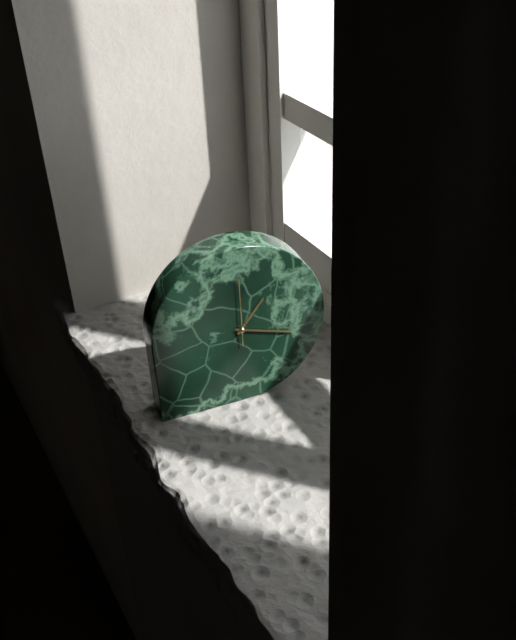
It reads 1,18,00
